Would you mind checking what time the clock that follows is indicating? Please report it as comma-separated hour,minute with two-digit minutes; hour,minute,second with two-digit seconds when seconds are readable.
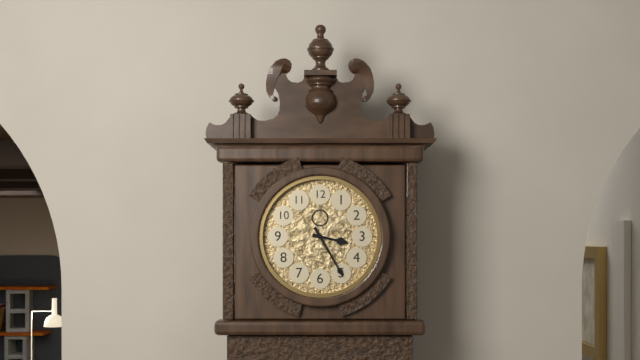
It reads 3,25
